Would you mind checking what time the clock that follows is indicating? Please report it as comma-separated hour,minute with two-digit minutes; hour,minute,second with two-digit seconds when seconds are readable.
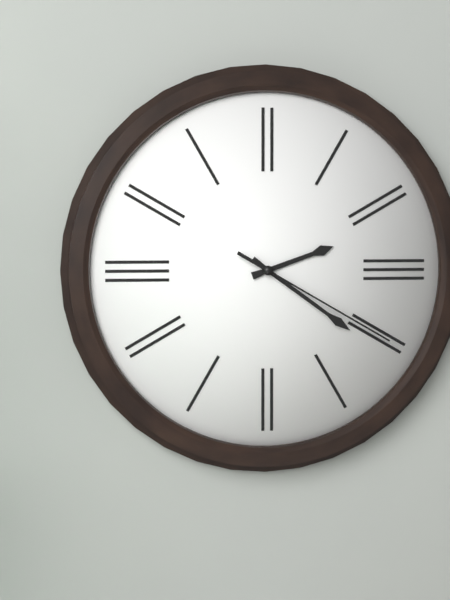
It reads 2,21,20
